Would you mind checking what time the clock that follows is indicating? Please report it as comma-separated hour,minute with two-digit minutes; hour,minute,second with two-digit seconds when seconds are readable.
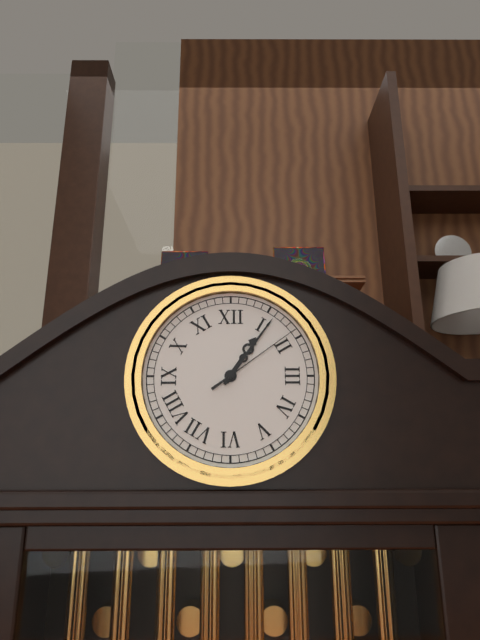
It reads 1,06,09
